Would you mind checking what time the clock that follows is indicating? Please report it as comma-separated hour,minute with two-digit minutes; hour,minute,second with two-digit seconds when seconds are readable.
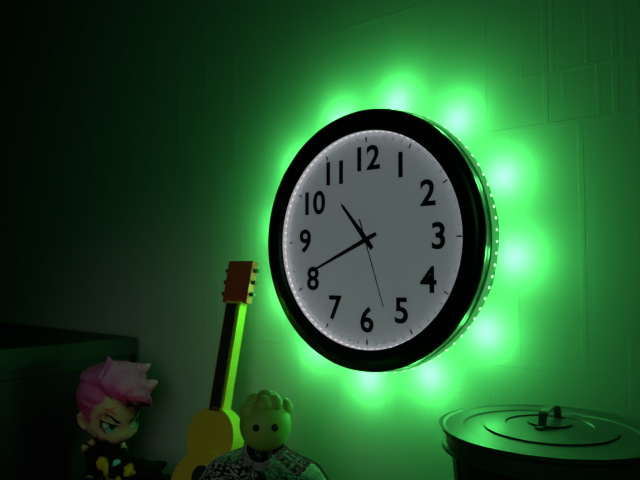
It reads 10,41,27
